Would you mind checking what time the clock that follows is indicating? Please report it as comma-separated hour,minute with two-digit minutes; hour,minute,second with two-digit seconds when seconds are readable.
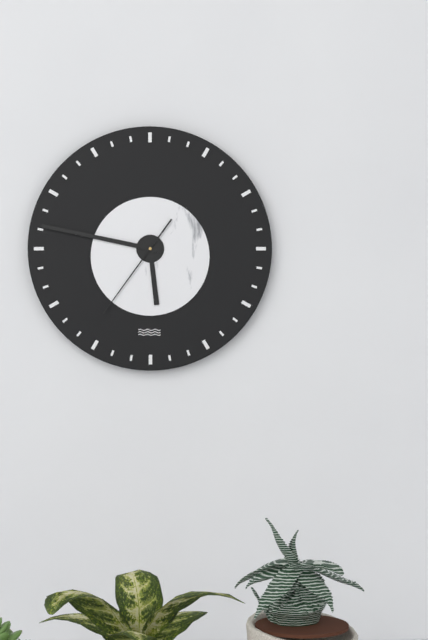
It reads 5,47,36
